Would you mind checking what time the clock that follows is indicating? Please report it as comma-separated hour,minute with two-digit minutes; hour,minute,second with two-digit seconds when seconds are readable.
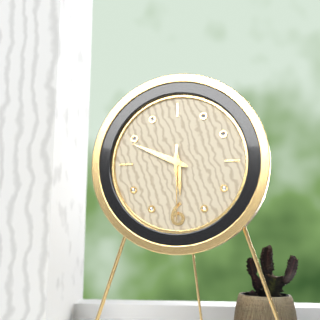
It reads 5,49,30
